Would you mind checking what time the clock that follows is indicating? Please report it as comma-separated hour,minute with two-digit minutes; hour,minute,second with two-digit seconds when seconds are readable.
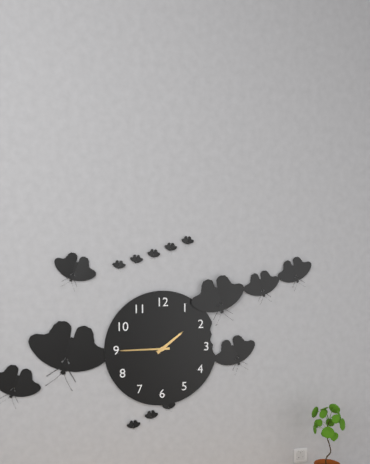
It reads 1,45
